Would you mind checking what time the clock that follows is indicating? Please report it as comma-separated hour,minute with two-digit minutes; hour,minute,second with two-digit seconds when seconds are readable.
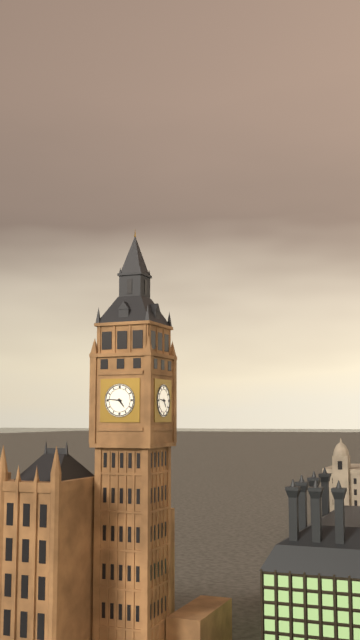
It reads 4,46
